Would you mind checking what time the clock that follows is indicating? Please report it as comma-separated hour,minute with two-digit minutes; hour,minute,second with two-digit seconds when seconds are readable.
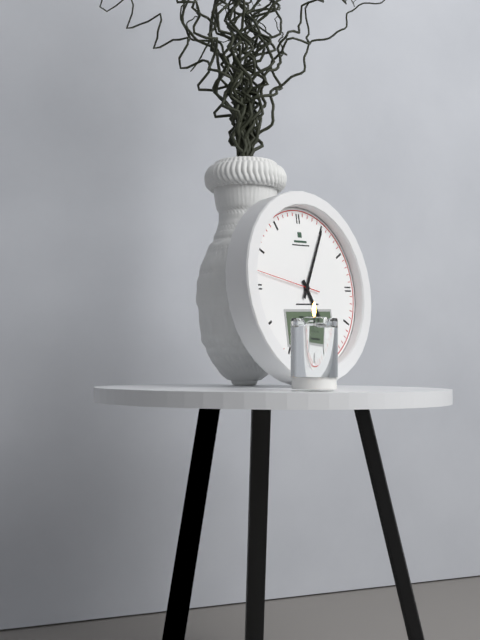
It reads 5,05,47
